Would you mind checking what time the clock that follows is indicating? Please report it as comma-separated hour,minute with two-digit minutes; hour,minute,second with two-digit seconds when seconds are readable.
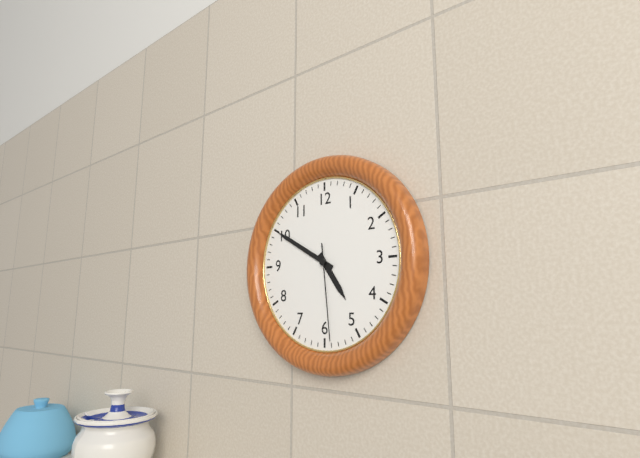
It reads 4,50,29
